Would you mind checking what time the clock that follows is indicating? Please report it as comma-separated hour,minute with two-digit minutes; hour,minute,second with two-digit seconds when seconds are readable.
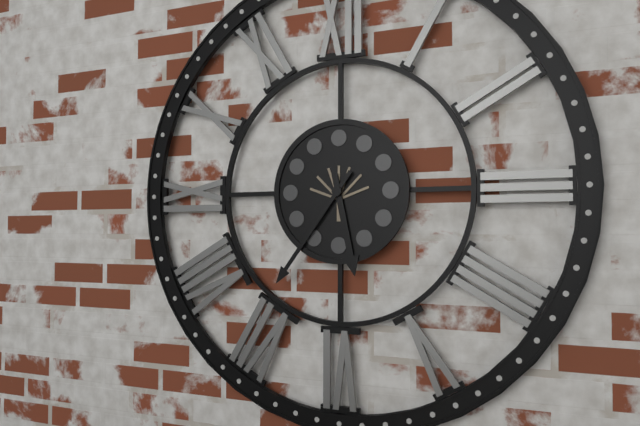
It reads 5,36
